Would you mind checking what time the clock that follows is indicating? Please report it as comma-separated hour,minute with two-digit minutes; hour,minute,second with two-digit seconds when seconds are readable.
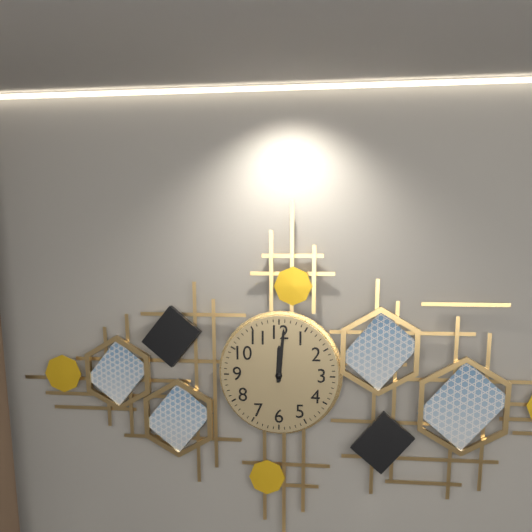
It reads 12,01
